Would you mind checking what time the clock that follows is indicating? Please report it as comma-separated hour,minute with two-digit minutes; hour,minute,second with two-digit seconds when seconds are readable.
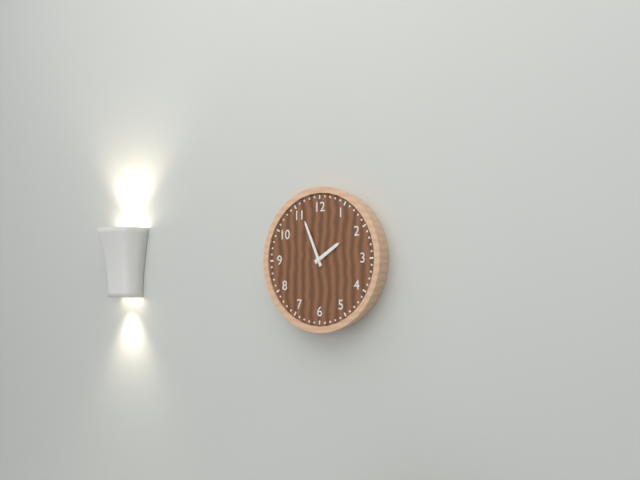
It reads 1,56
